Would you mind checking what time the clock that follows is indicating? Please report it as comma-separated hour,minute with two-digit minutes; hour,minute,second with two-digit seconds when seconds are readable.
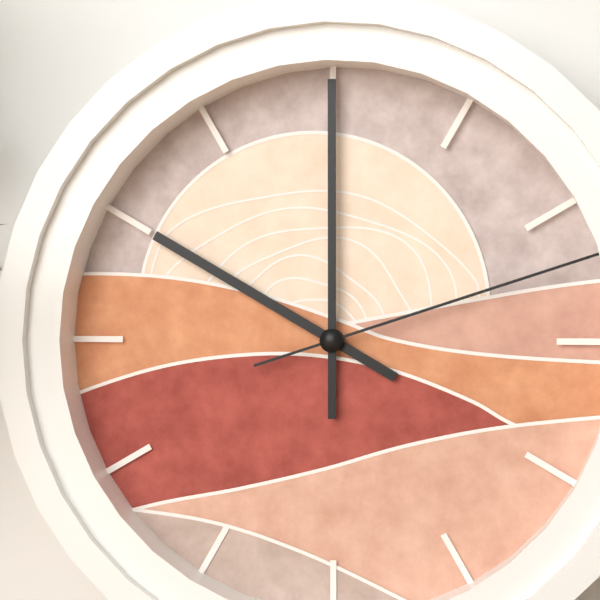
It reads 10,00
